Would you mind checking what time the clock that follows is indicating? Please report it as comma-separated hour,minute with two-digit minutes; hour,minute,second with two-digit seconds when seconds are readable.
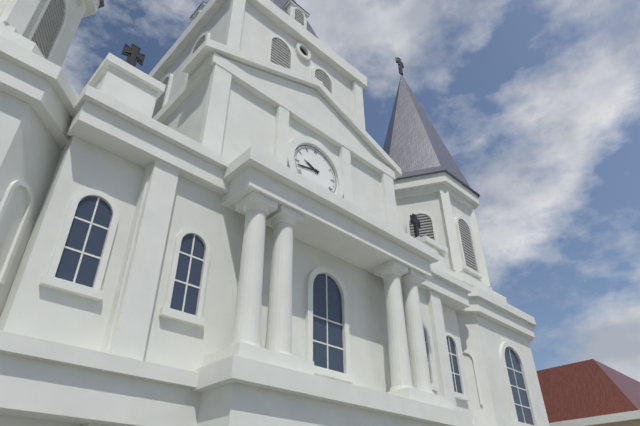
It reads 9,43
